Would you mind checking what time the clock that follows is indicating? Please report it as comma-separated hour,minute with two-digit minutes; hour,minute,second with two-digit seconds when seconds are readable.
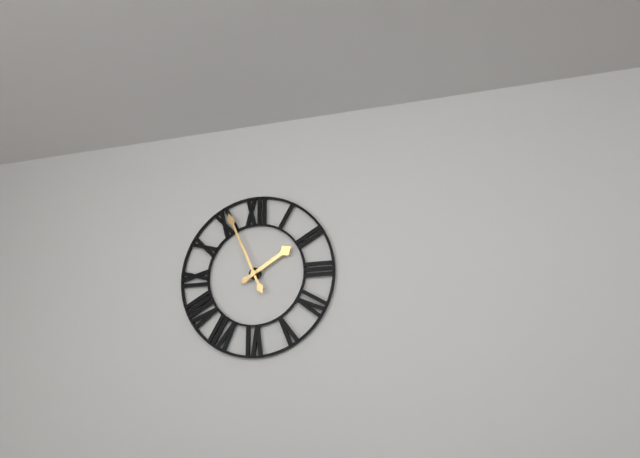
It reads 1,56
